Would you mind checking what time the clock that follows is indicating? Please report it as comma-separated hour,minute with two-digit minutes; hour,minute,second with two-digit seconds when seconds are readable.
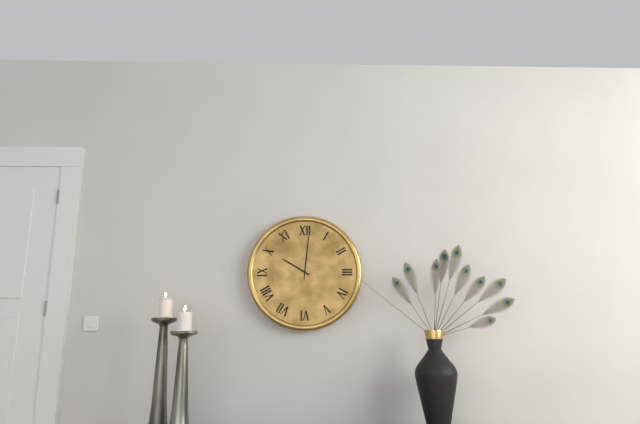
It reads 10,01
